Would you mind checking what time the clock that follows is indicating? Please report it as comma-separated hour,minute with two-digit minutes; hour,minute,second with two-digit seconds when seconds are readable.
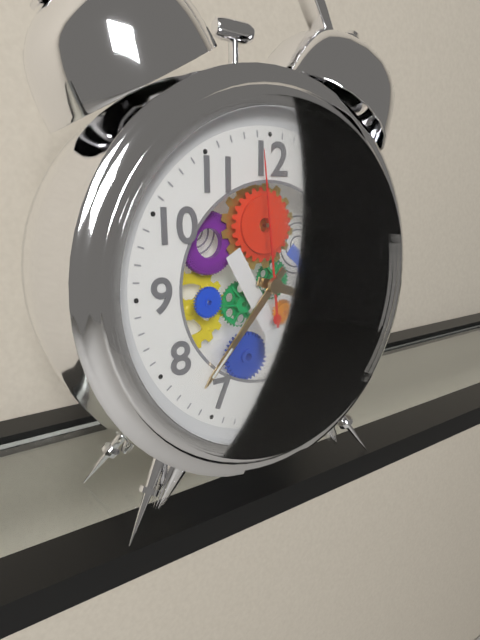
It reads 3,37,59
